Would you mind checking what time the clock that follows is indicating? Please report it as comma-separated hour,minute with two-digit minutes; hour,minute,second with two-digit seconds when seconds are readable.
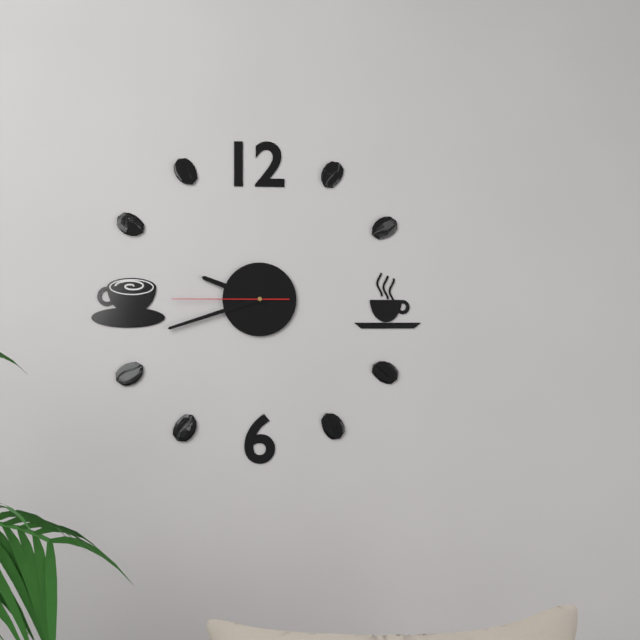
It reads 9,42,45
